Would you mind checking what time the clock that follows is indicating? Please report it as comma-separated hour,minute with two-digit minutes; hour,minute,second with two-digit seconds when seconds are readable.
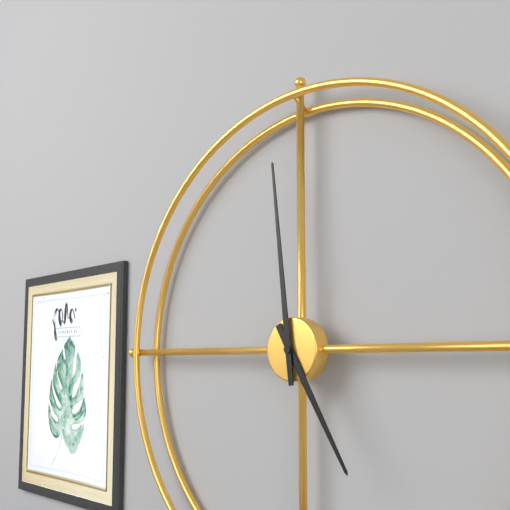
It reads 4,59
